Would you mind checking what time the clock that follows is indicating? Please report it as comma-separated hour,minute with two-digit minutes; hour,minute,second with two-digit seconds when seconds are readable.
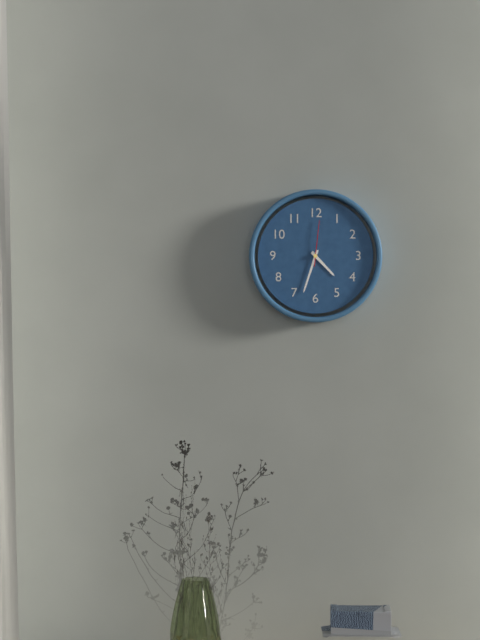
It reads 4,33
